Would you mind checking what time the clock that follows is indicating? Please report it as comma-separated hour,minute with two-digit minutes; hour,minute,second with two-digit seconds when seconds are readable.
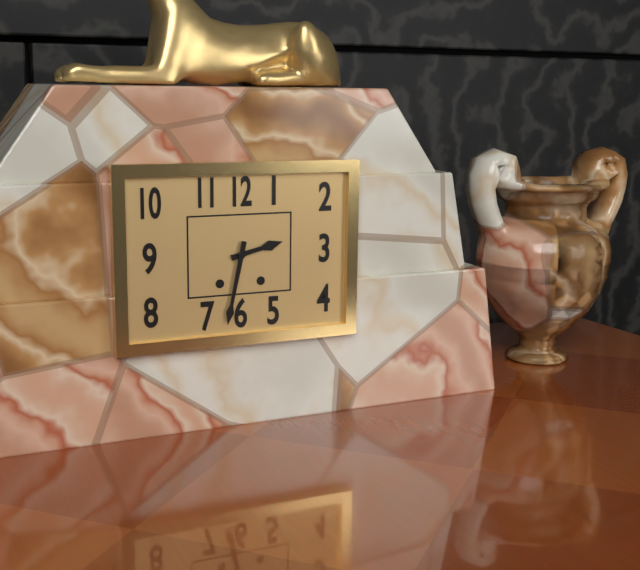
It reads 2,32
